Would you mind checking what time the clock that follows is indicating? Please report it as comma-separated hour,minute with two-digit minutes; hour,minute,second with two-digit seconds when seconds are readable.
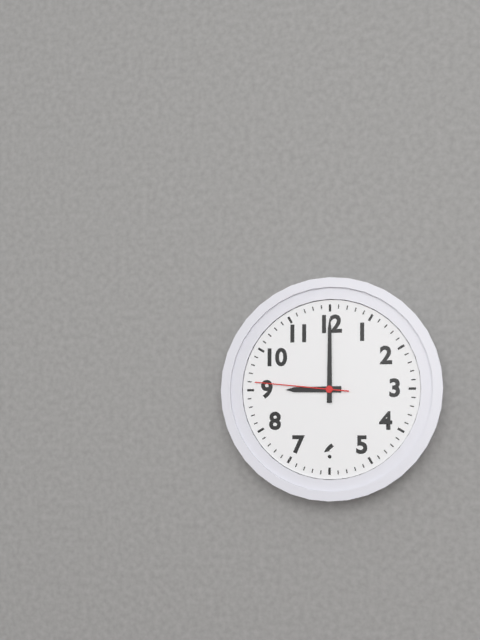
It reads 9,00,46
